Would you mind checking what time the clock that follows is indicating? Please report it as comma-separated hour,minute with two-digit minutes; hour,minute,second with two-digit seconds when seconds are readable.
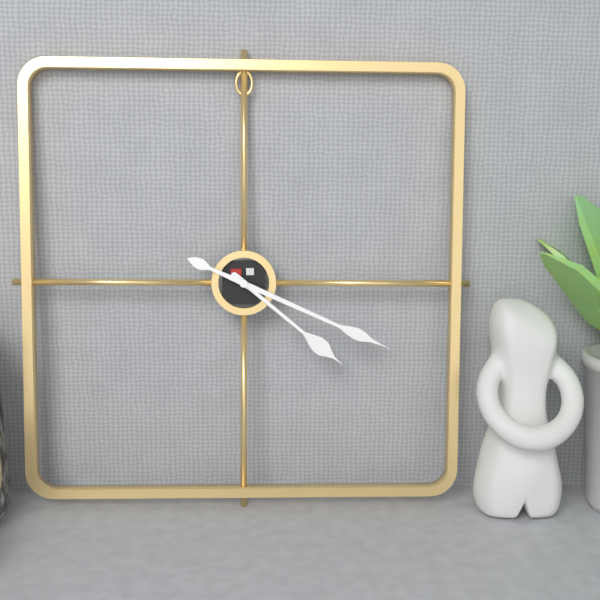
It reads 4,19
